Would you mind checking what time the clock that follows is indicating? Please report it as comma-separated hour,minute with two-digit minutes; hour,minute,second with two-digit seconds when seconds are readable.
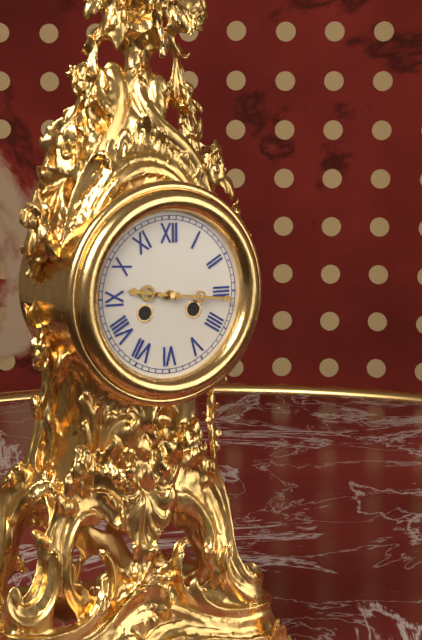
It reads 9,16
